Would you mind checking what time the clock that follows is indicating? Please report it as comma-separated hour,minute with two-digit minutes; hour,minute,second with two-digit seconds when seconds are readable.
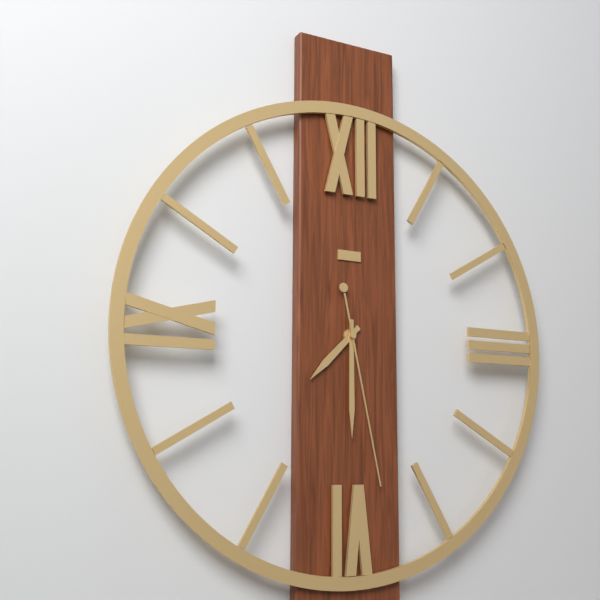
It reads 7,30,28
